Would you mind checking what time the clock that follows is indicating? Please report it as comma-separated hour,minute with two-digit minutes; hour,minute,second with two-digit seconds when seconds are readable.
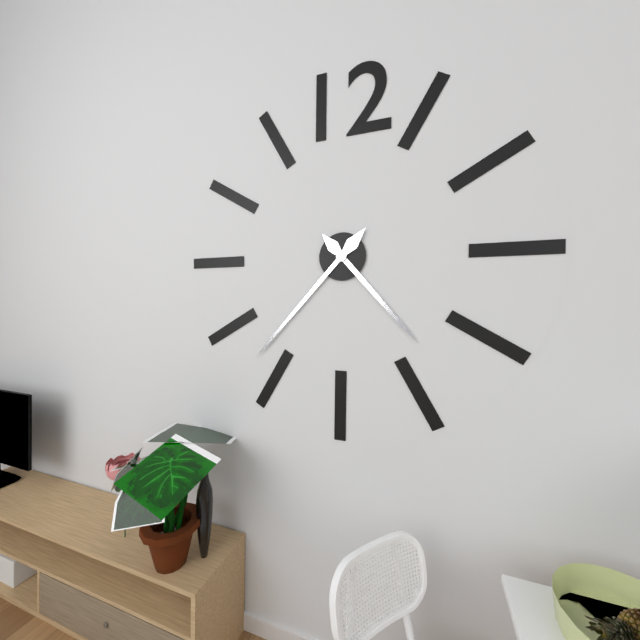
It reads 4,37
